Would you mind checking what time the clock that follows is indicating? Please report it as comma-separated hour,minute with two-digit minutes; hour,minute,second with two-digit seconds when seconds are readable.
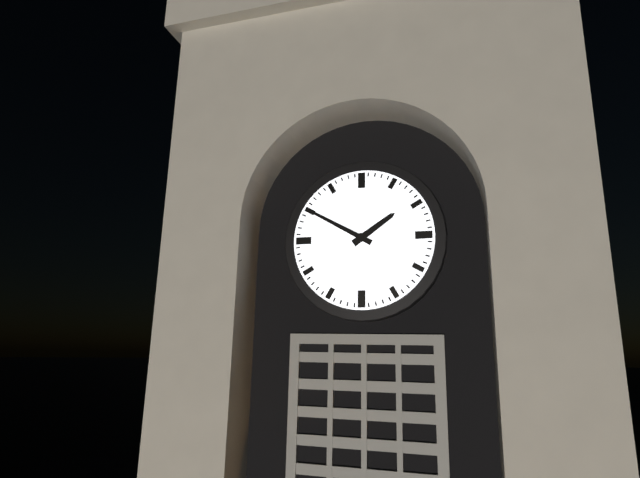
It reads 1,50
